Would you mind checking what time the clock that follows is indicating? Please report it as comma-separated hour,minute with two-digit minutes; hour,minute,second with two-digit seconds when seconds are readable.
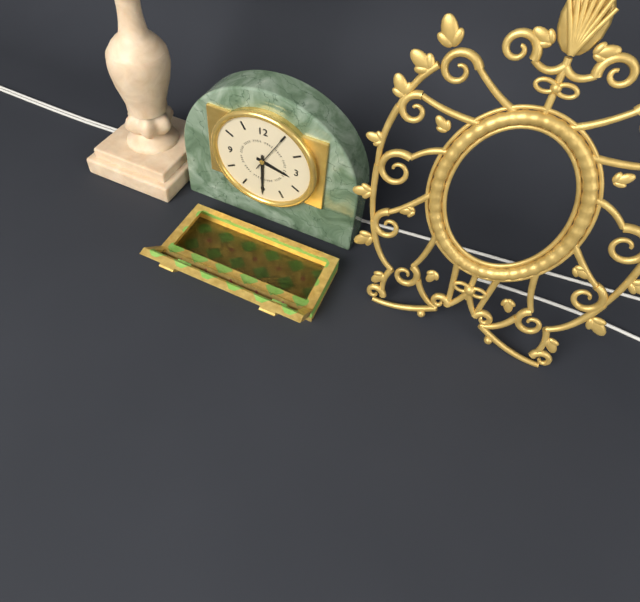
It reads 3,30
